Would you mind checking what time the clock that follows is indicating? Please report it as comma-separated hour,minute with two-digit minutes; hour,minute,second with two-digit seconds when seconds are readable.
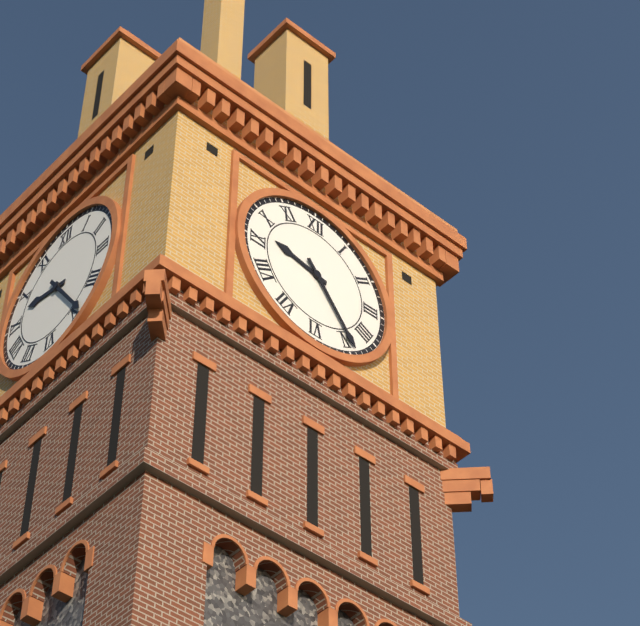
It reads 9,24
